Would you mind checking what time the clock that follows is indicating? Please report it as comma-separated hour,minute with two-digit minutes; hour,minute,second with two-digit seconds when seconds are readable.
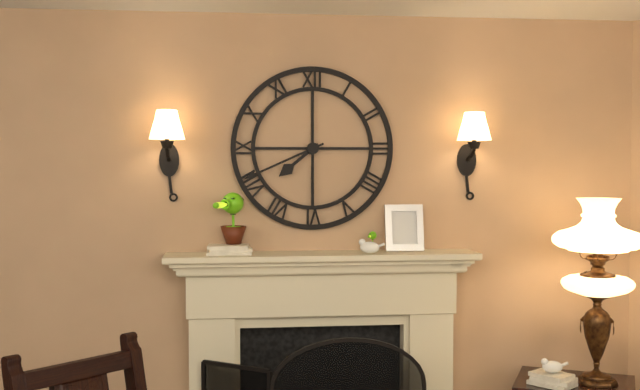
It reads 7,41
